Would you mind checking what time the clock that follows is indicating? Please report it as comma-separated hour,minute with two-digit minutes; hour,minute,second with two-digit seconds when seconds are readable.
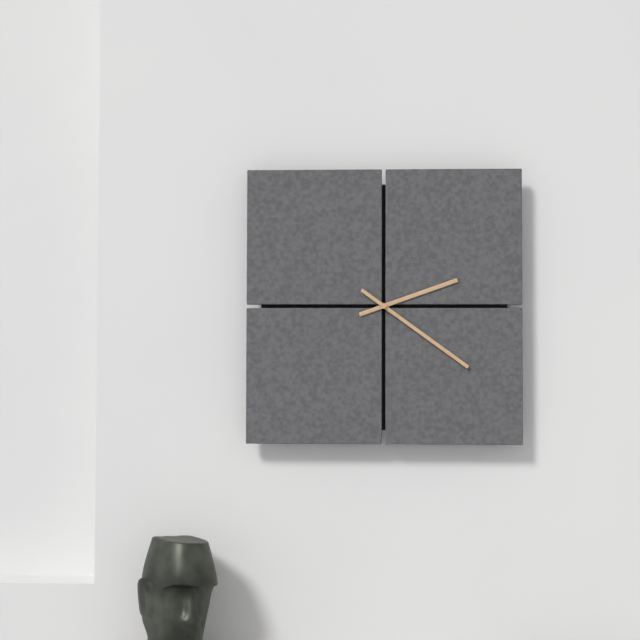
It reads 2,21
